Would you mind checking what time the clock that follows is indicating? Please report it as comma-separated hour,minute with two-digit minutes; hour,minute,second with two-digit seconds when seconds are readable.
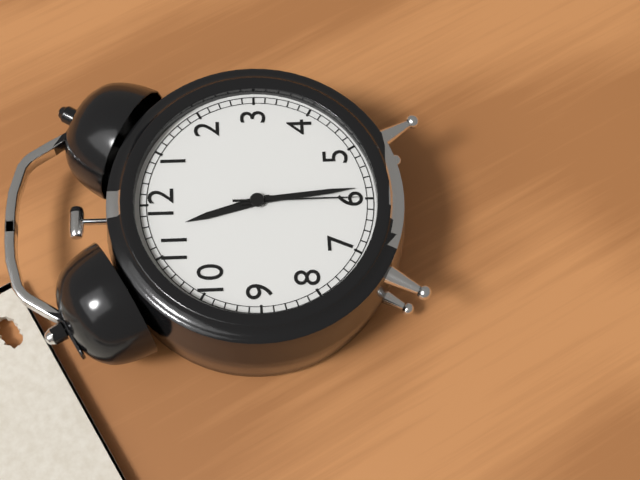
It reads 11,29,30
